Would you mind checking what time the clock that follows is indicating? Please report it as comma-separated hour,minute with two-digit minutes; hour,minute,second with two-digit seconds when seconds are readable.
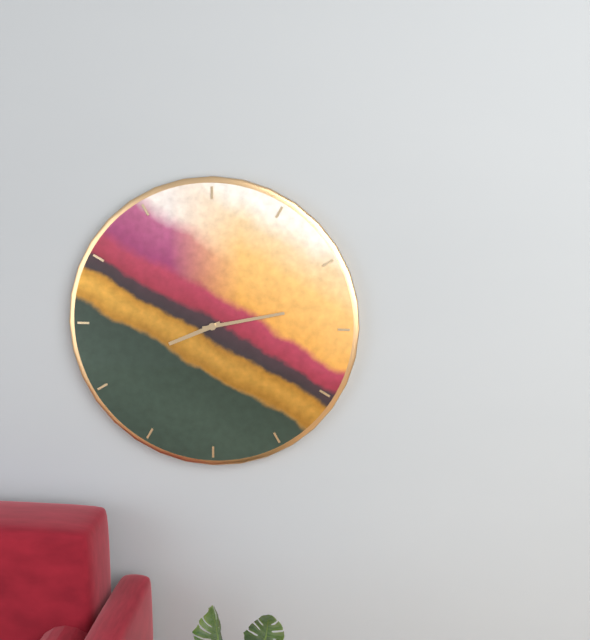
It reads 8,13
